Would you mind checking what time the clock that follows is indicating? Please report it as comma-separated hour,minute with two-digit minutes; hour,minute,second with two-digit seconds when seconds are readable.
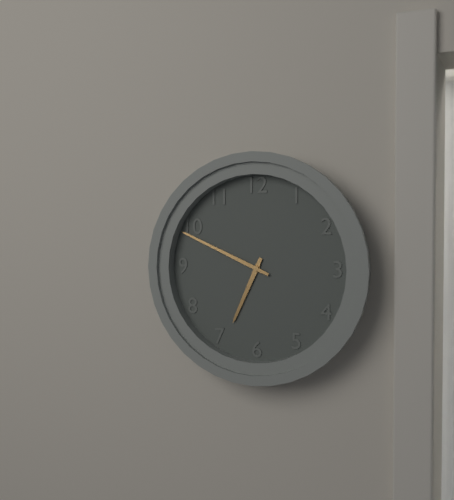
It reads 6,49
